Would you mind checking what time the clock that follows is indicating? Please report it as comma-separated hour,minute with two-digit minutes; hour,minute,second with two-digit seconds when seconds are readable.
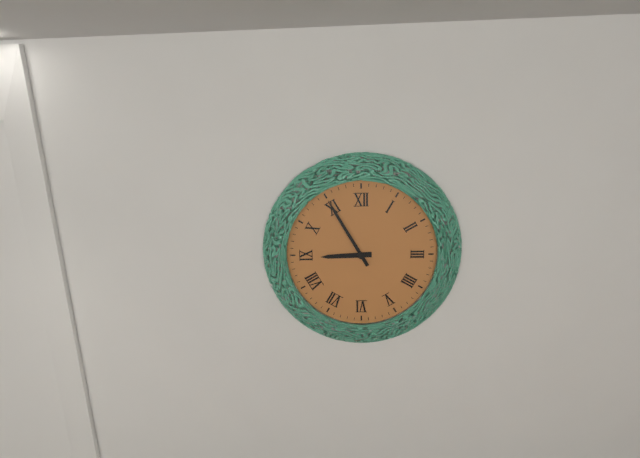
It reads 8,55
